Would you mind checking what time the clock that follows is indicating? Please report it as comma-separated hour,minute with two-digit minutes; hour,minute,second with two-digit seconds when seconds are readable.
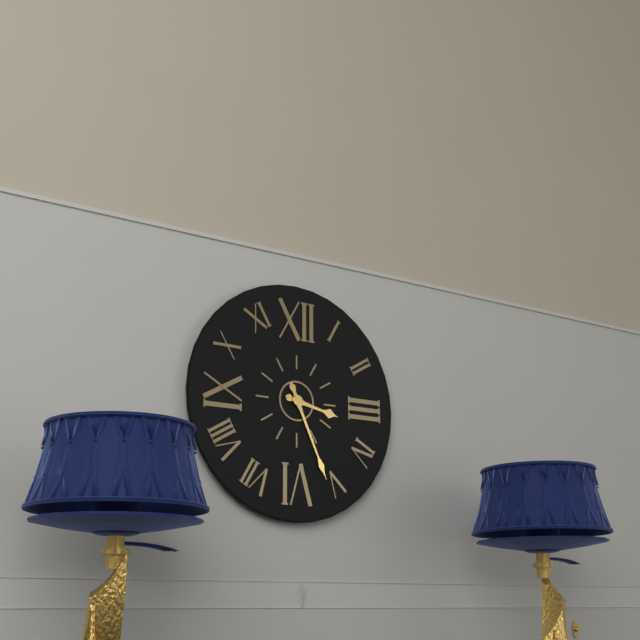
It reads 3,26
